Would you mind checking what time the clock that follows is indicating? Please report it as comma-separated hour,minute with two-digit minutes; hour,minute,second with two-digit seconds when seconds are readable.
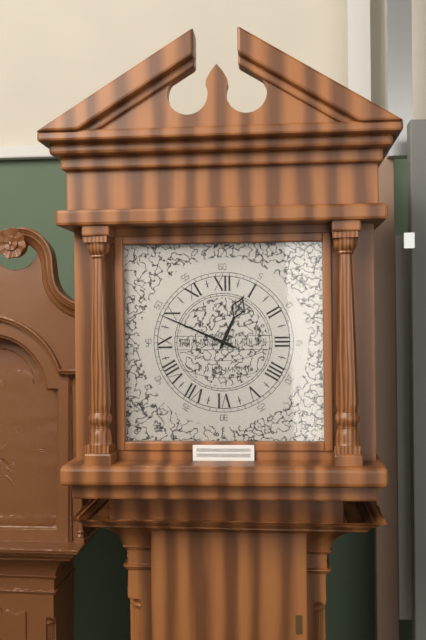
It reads 12,49
